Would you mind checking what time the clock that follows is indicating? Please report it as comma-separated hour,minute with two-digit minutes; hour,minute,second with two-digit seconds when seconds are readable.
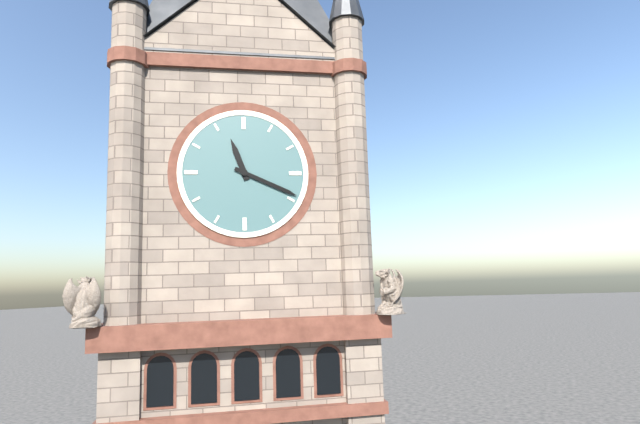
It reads 11,19
